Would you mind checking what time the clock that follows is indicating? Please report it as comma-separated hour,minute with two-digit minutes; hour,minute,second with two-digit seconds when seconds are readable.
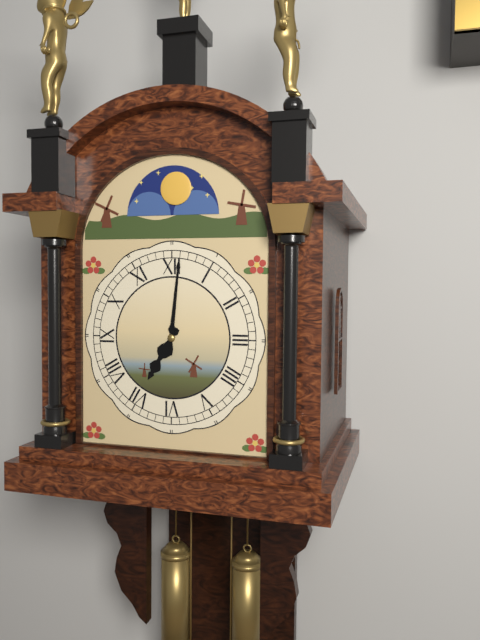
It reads 7,01
